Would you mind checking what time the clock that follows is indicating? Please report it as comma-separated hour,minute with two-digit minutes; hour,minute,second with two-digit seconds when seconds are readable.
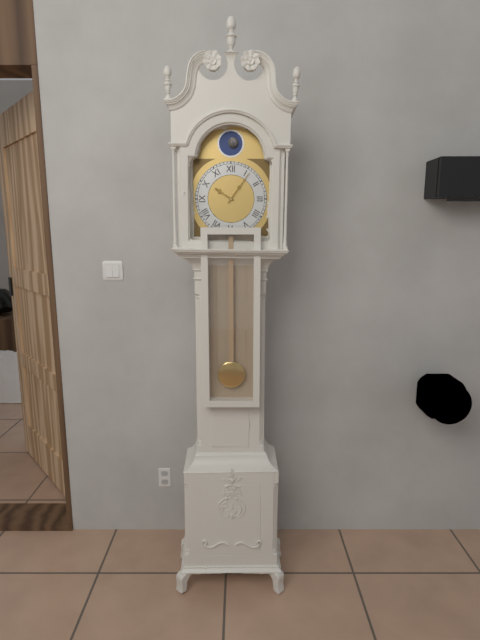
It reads 10,06
